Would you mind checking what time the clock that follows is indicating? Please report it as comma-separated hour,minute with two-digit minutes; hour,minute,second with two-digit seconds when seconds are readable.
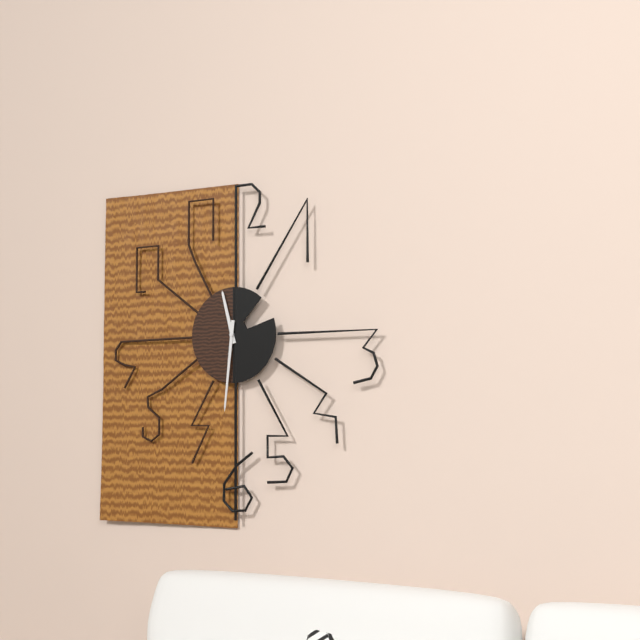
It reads 11,31
